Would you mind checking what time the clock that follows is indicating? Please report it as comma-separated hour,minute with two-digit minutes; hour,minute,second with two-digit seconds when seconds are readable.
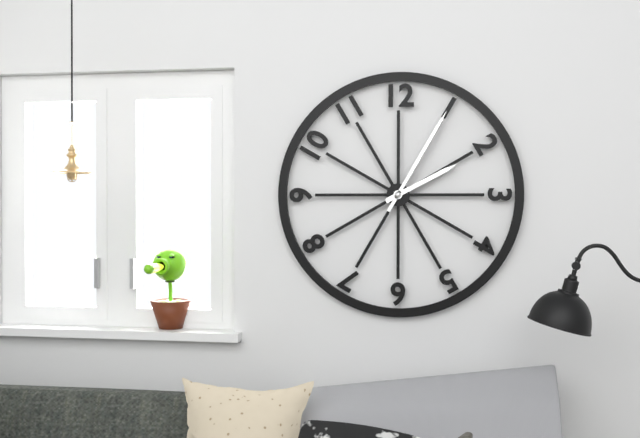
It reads 2,05
